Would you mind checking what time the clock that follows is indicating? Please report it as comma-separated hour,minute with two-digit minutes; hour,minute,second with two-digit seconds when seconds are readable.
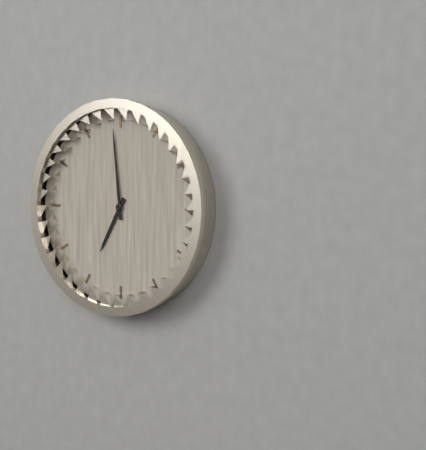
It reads 6,59
